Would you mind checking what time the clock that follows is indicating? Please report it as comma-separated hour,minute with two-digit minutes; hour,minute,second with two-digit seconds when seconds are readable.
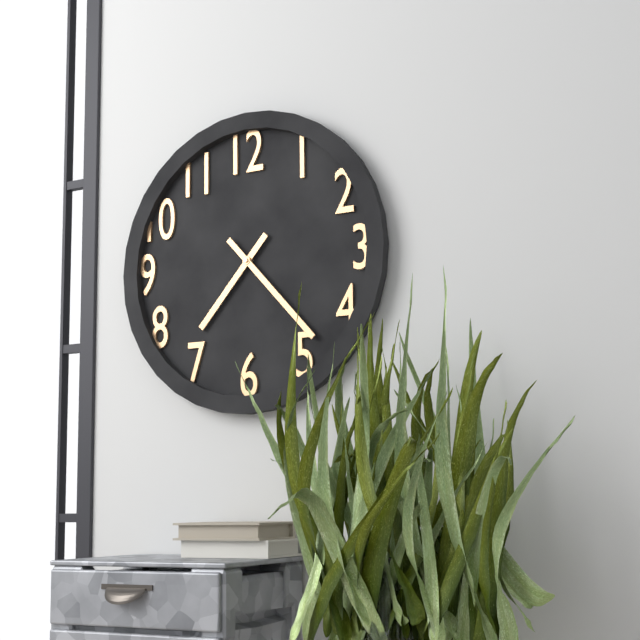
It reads 7,23
